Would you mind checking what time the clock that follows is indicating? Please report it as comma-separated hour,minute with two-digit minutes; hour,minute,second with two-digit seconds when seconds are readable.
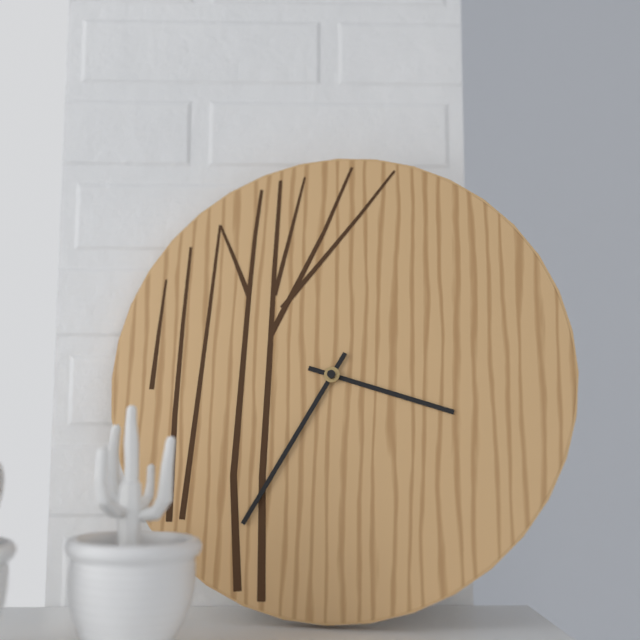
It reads 3,35
